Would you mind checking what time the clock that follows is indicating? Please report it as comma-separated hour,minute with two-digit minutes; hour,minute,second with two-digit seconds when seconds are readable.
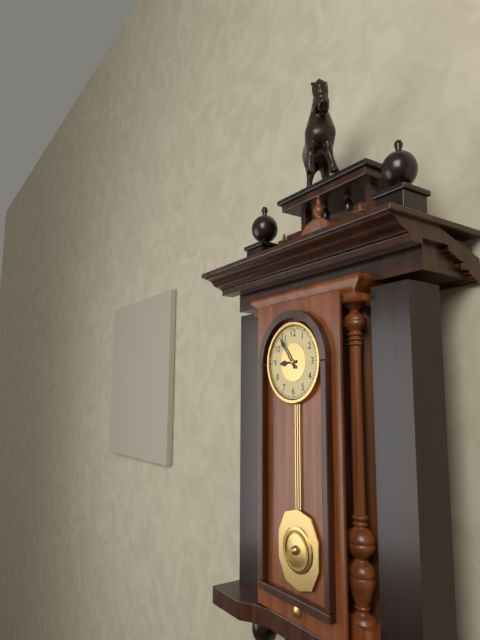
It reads 8,54
